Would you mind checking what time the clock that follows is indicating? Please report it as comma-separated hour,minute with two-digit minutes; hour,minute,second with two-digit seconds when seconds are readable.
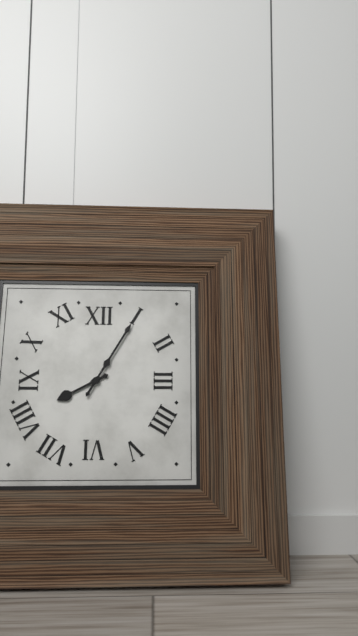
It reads 8,05
